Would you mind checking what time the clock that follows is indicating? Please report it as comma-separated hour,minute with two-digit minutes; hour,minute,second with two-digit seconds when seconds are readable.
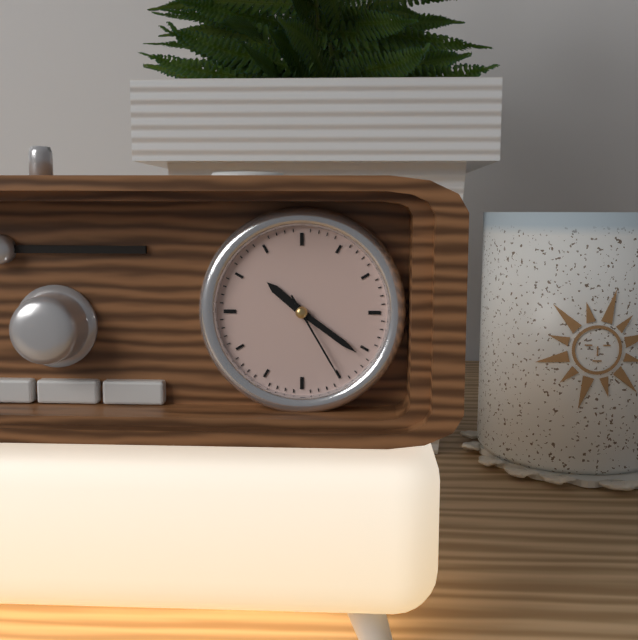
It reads 10,21,25
